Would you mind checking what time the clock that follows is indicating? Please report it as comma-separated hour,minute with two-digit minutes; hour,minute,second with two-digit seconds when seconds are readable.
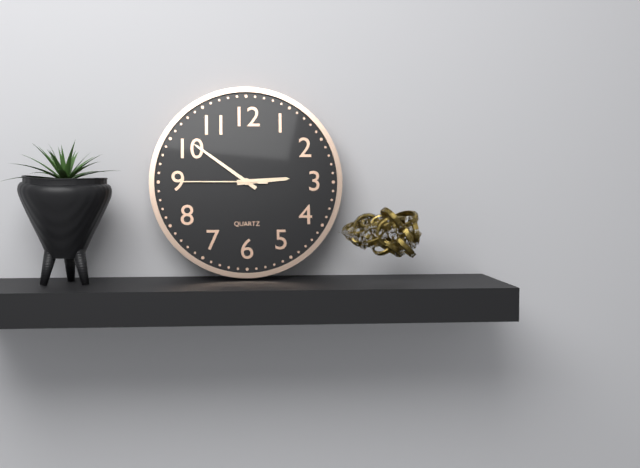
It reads 2,51,45
